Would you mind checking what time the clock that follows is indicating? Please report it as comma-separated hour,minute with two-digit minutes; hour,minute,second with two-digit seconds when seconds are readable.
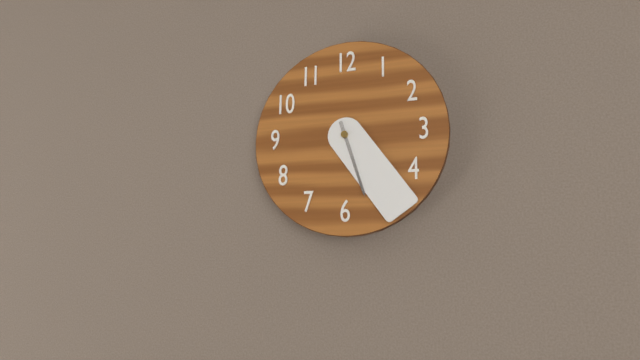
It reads 5,24
